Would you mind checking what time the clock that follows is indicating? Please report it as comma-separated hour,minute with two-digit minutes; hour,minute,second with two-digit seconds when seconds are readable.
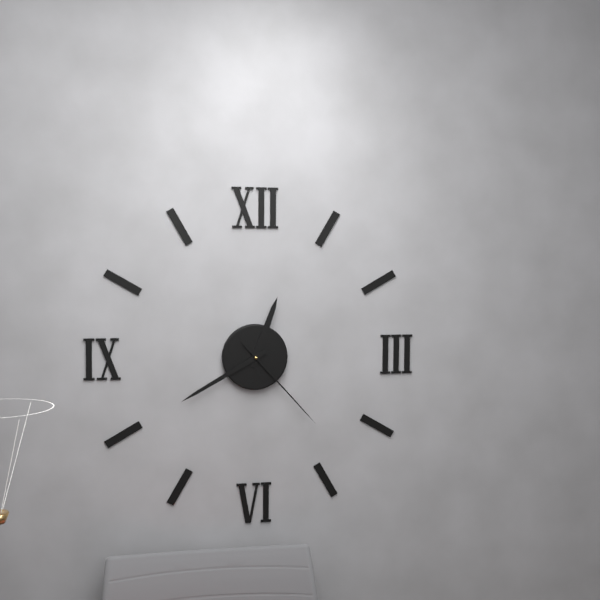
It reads 12,40,23
